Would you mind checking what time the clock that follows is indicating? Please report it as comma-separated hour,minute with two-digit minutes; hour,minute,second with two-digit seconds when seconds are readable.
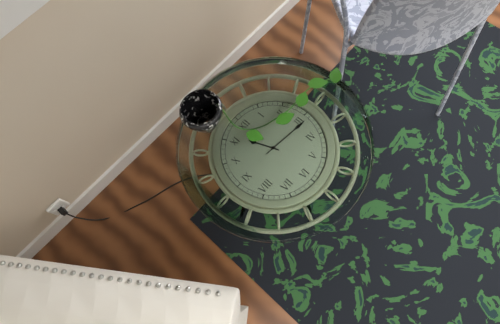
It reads 11,16
